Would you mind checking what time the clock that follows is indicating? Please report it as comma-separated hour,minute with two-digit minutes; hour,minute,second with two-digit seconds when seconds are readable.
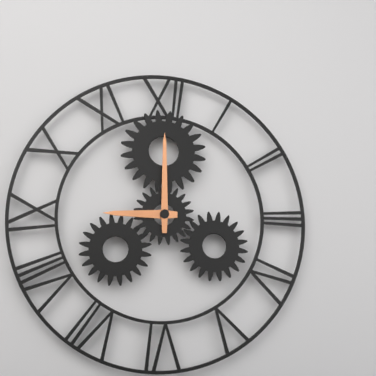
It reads 9,00
